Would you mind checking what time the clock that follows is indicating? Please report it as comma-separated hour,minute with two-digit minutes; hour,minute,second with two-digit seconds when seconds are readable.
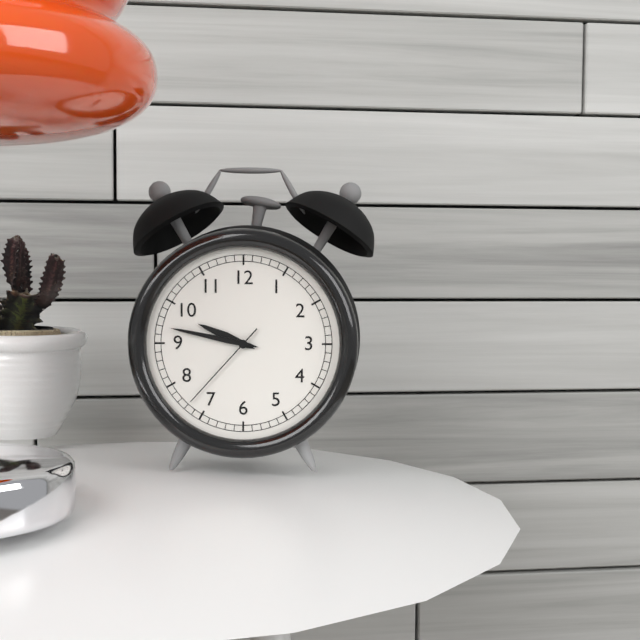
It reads 9,47,37
